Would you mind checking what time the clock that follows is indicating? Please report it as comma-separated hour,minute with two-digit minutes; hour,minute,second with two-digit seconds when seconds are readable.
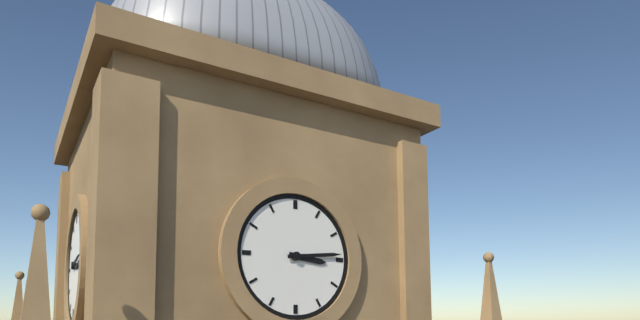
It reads 3,14
